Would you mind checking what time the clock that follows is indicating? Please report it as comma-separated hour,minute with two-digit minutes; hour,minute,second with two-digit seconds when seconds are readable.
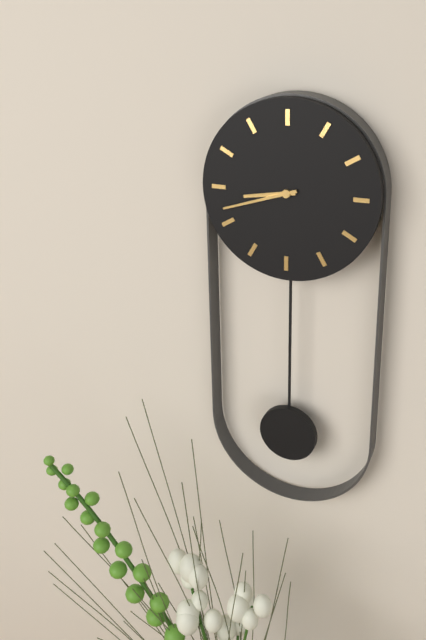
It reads 8,42
